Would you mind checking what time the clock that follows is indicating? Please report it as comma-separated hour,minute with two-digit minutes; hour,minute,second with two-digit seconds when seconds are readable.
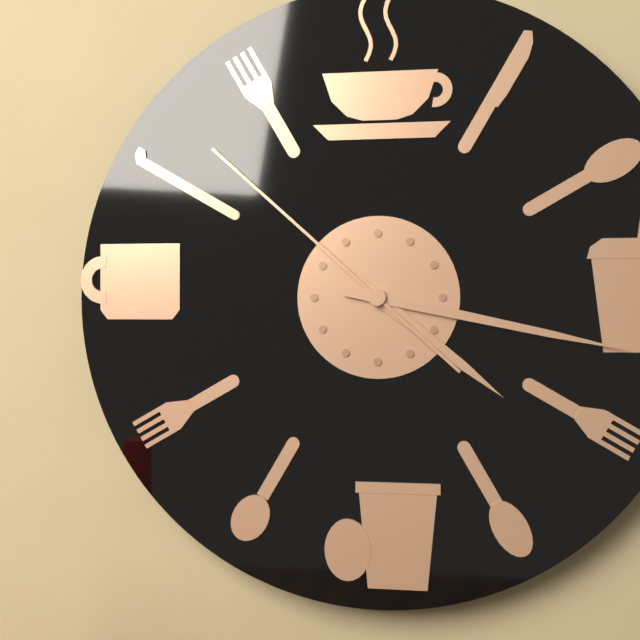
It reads 4,17,52
